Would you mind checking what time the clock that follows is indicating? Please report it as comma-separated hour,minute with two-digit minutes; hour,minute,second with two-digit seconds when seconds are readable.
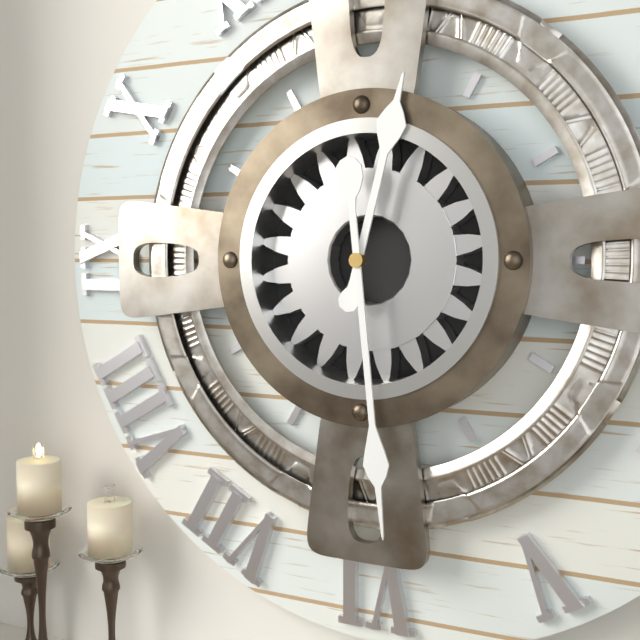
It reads 12,29
